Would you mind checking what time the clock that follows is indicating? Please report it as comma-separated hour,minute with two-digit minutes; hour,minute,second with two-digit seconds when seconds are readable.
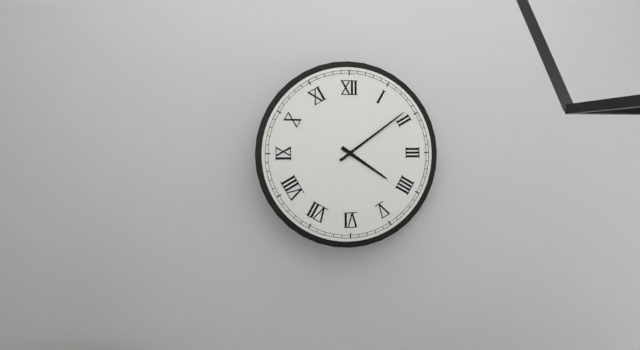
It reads 4,09
